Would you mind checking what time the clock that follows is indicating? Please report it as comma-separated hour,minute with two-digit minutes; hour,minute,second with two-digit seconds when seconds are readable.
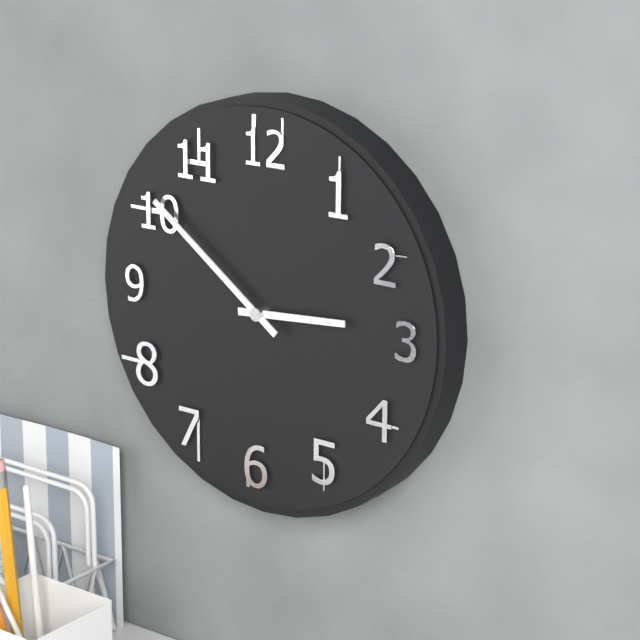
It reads 2,51
